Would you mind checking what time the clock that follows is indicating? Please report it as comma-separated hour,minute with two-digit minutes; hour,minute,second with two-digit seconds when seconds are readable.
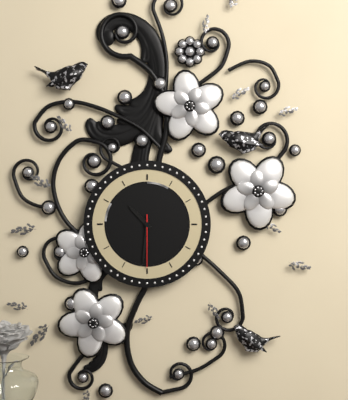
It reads 10,31,30
